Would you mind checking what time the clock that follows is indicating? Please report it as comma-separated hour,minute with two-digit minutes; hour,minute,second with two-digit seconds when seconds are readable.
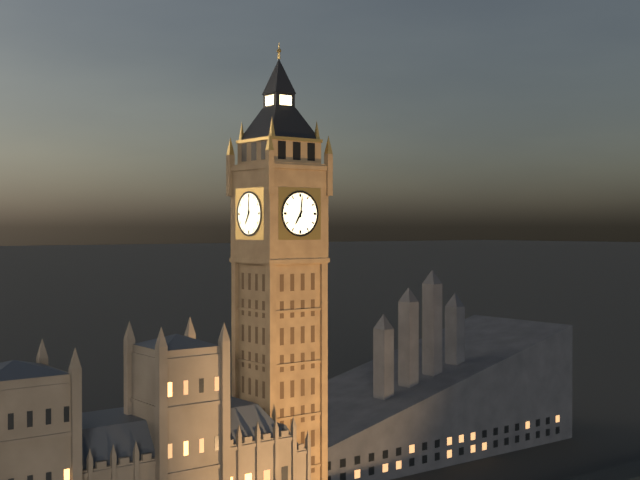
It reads 7,01
